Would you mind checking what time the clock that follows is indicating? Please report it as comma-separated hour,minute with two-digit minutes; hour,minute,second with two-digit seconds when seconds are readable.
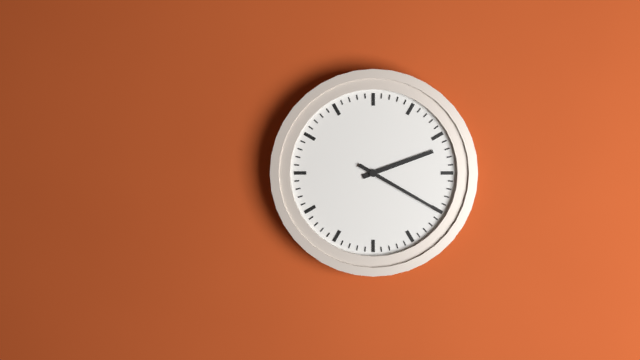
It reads 2,20
